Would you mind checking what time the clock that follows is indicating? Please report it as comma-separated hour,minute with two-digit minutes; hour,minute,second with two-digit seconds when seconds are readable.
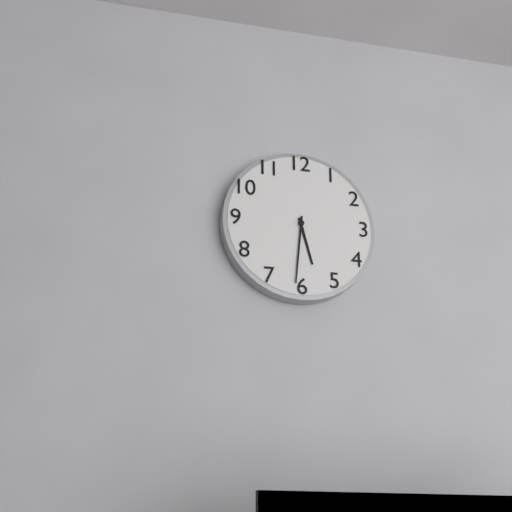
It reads 5,31
